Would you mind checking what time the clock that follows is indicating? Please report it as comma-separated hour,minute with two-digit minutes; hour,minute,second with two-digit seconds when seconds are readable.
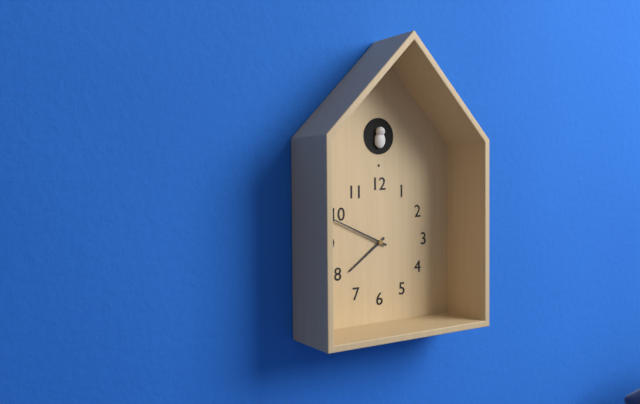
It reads 7,49
